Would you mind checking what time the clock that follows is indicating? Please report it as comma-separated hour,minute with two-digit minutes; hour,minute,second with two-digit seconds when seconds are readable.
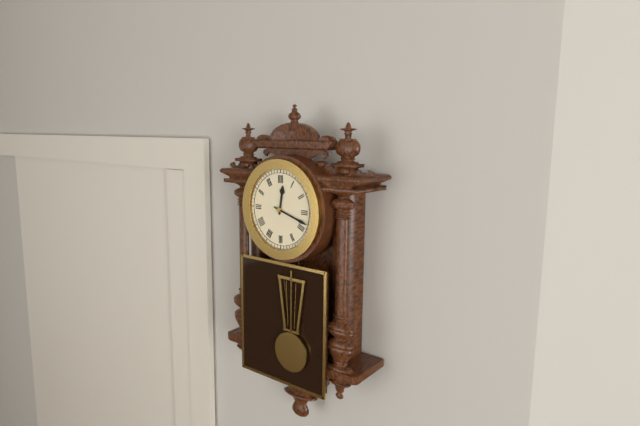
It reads 12,18
